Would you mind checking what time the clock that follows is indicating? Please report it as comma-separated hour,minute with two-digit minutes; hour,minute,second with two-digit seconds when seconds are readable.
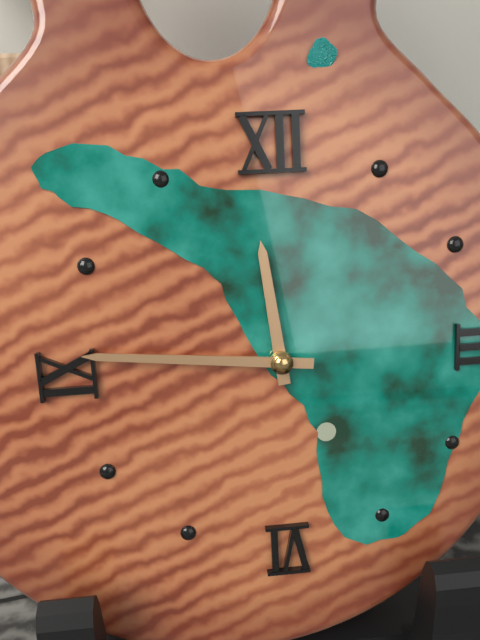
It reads 11,46
